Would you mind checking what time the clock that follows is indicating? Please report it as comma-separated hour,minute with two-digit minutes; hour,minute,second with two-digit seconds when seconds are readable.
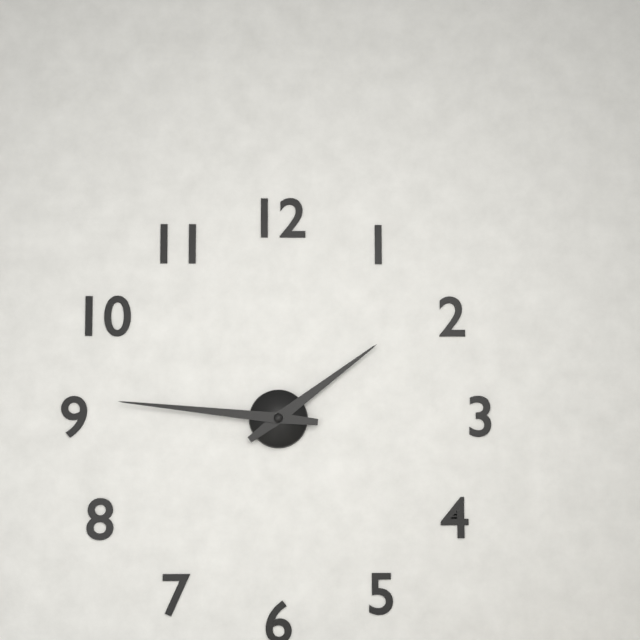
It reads 1,46
